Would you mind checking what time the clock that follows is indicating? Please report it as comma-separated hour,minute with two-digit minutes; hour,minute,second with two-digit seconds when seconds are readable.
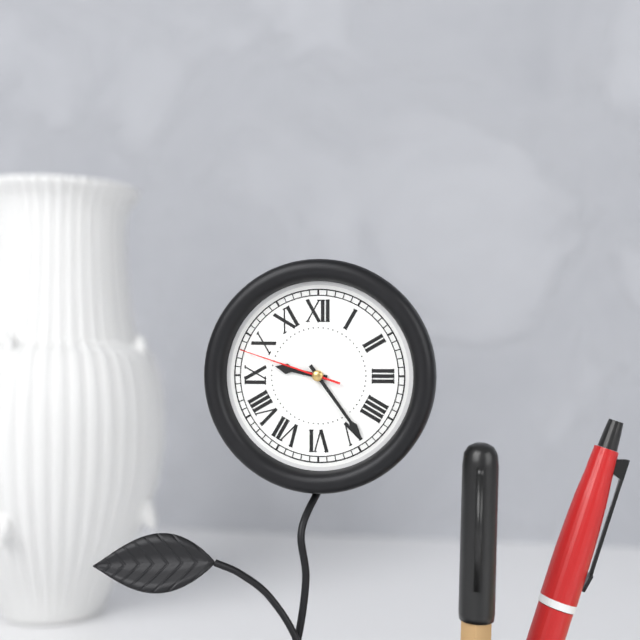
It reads 9,24,48
